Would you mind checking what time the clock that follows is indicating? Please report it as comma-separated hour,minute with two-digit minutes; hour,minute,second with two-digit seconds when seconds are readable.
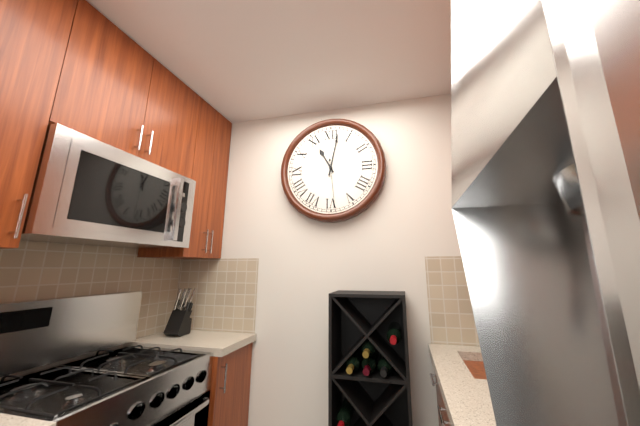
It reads 11,02
